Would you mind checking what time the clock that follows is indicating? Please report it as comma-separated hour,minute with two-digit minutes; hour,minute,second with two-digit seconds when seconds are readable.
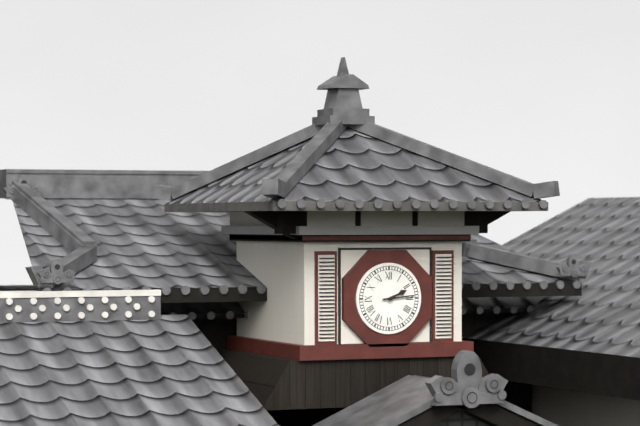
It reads 2,14
